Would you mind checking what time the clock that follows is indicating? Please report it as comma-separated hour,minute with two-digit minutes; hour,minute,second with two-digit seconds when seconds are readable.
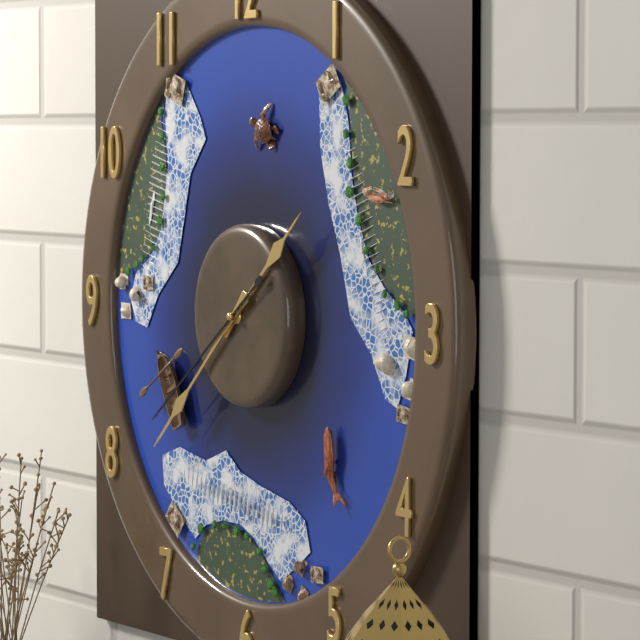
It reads 1,38,39
